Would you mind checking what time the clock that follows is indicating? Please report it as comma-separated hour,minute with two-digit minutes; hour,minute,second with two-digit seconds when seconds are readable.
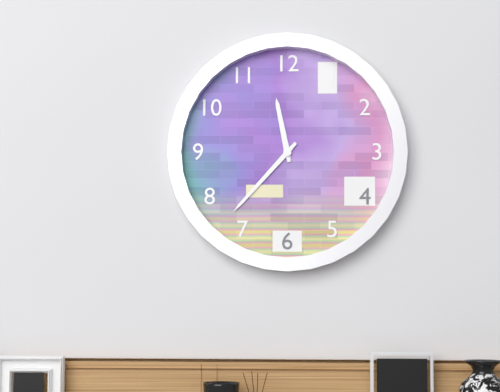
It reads 11,37
